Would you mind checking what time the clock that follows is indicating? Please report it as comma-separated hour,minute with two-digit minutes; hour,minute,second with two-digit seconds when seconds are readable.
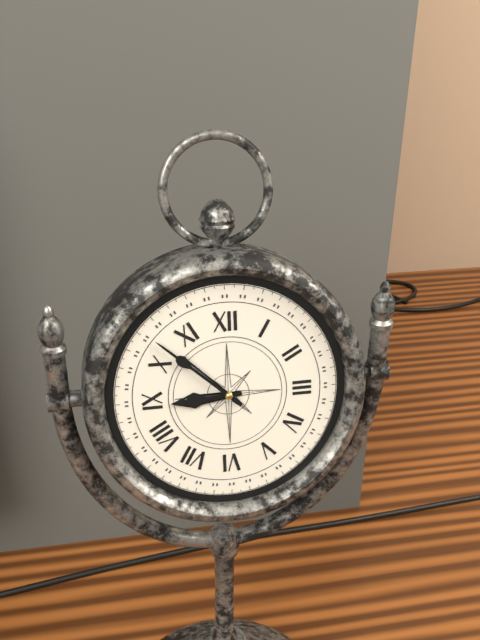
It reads 8,52
